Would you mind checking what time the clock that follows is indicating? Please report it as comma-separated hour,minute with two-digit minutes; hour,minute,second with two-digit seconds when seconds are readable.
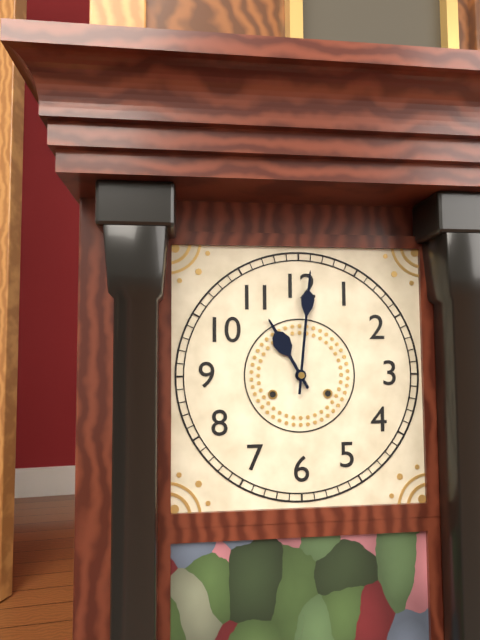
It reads 11,01
